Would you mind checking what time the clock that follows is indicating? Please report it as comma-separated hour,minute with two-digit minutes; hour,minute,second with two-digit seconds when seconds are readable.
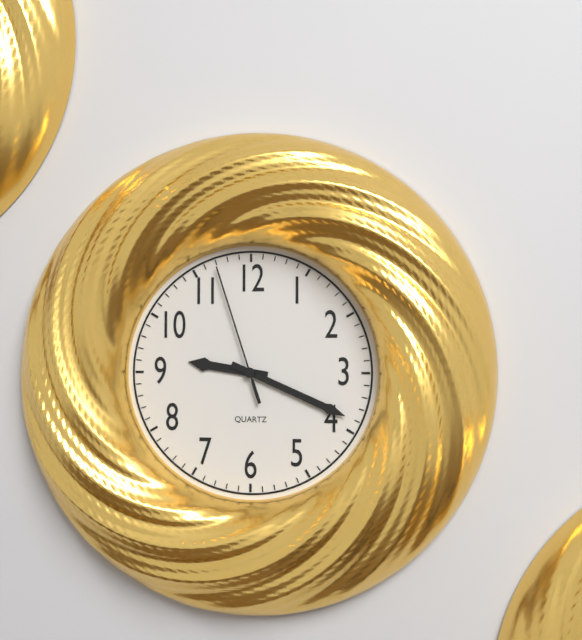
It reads 9,19,57
